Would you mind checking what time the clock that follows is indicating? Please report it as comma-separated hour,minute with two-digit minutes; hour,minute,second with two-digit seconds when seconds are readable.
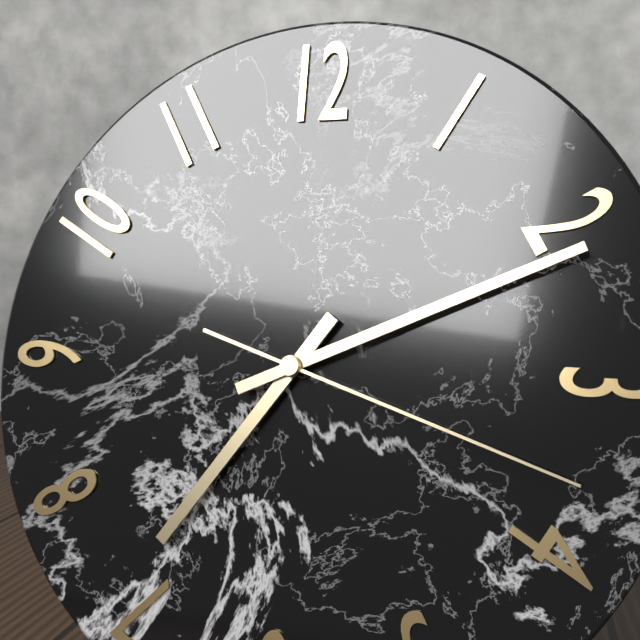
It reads 7,11,18
